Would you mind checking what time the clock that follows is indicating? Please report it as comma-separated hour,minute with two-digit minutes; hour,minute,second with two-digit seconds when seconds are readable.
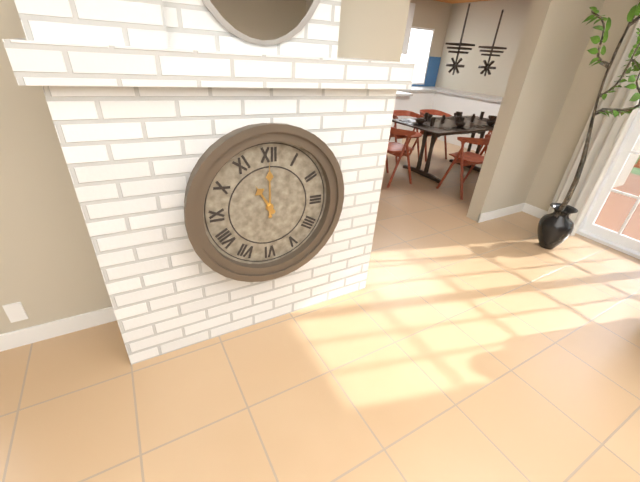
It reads 11,00
